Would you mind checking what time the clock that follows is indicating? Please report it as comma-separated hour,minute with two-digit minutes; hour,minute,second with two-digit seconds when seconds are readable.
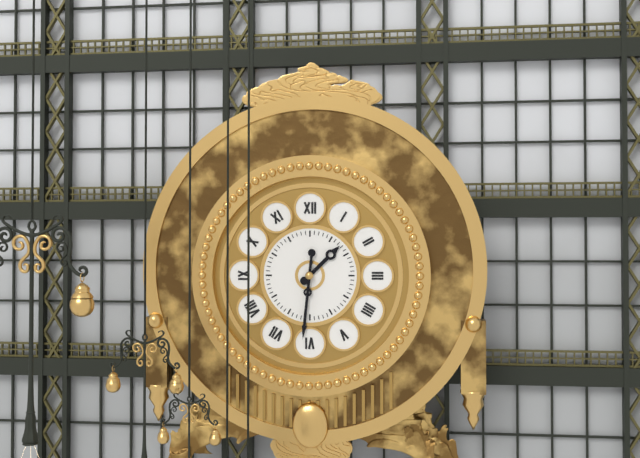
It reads 1,31
